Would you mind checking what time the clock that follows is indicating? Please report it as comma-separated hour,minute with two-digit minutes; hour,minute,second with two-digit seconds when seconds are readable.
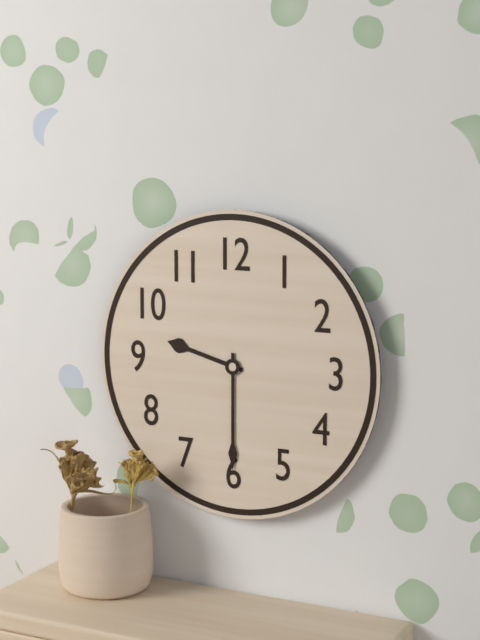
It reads 9,30
